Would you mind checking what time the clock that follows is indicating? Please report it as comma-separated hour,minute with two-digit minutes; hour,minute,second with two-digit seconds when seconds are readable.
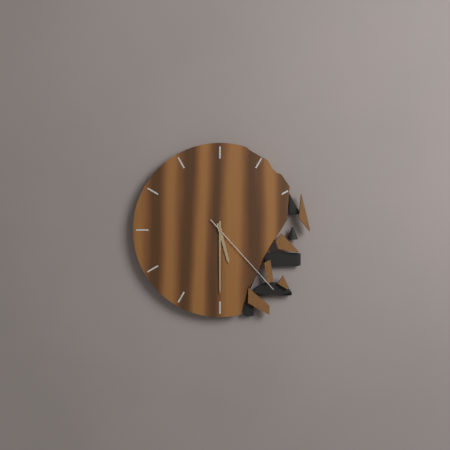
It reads 5,30,23
